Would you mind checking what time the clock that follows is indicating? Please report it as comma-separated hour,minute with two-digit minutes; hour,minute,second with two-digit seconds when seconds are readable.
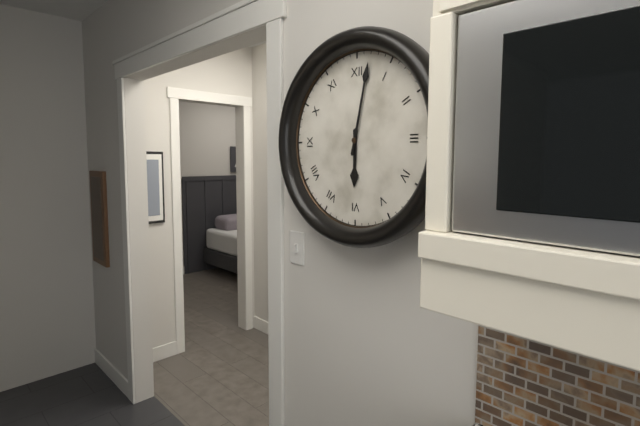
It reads 6,02
